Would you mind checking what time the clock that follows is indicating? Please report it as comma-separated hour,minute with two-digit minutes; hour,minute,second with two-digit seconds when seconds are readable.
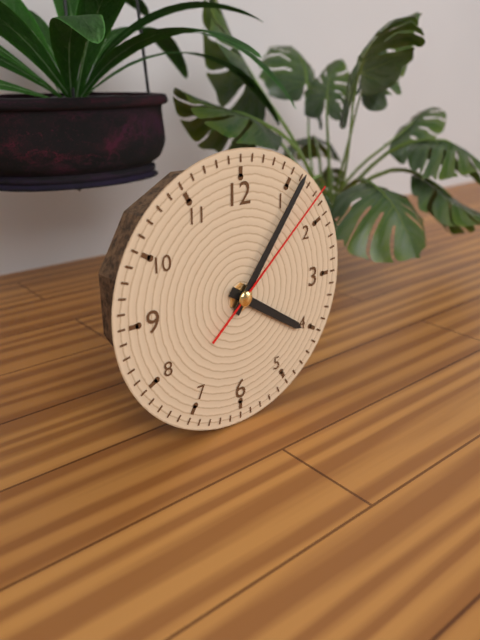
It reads 4,06,08
